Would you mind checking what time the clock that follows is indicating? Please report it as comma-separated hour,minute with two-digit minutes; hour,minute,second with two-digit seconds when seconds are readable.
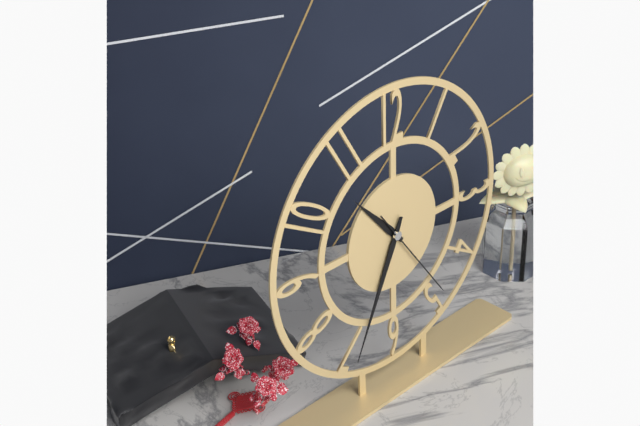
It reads 10,34,24
